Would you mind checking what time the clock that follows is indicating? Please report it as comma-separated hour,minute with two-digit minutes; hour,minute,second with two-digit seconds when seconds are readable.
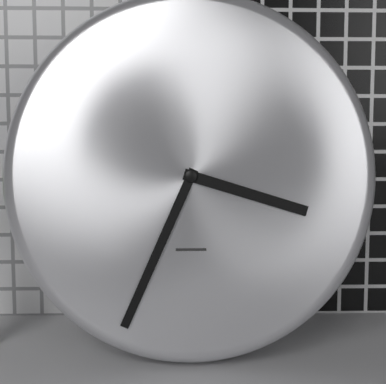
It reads 3,34
